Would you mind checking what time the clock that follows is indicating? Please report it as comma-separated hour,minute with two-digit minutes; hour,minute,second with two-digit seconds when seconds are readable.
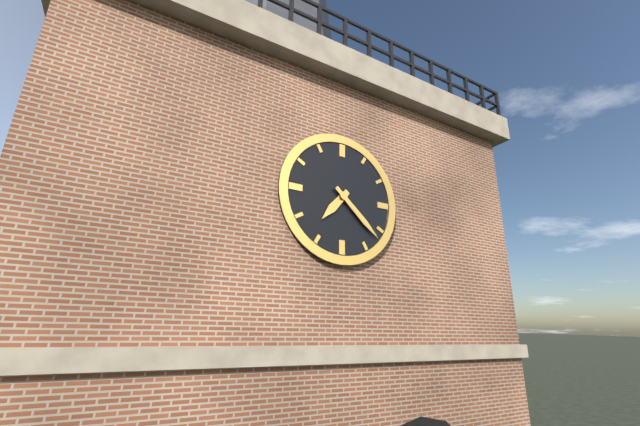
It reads 7,22
